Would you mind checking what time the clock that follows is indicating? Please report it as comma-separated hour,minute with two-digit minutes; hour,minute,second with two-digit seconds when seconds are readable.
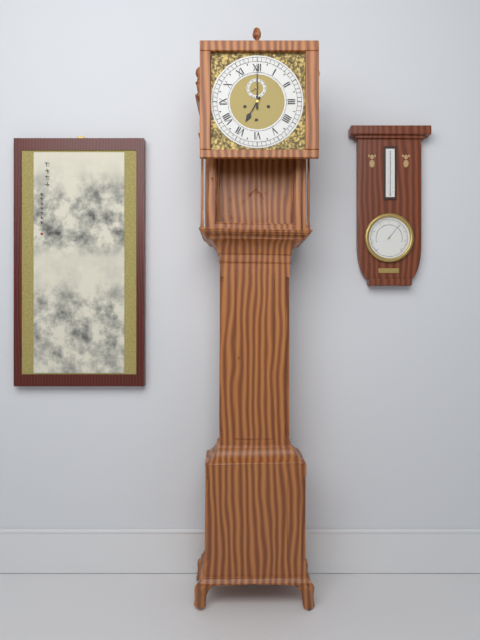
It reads 7,00
